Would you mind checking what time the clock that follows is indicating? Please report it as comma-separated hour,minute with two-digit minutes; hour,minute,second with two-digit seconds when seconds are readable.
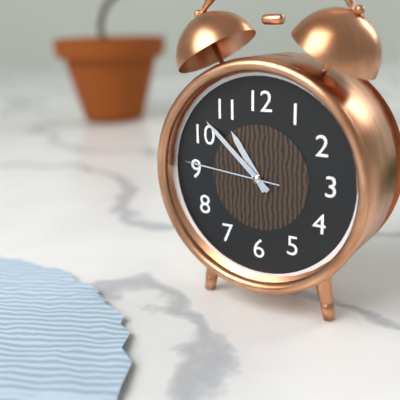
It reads 10,52,46
